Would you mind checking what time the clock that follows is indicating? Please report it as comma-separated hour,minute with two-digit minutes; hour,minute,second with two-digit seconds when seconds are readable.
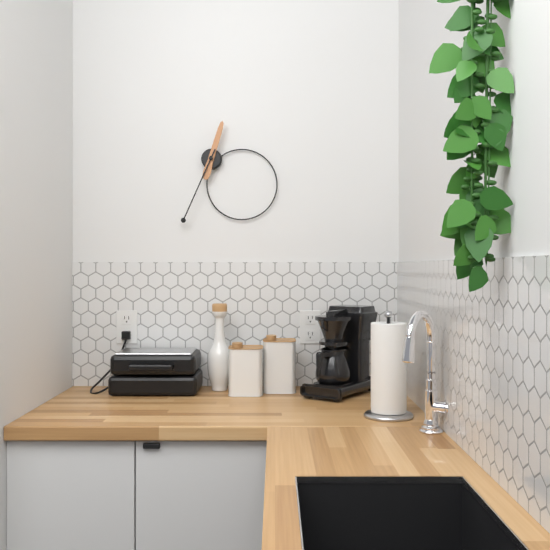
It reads 12,34
